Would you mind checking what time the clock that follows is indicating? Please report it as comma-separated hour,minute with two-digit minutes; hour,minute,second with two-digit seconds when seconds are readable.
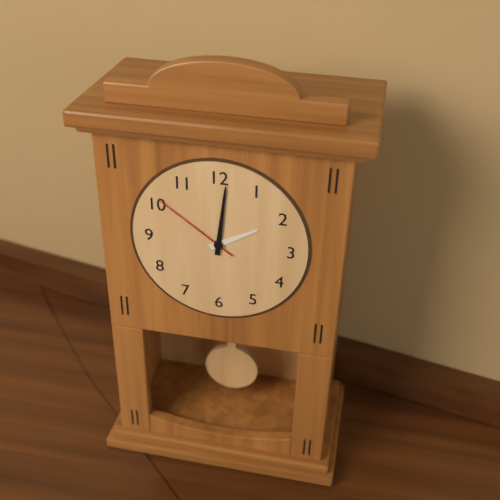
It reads 2,01,51
